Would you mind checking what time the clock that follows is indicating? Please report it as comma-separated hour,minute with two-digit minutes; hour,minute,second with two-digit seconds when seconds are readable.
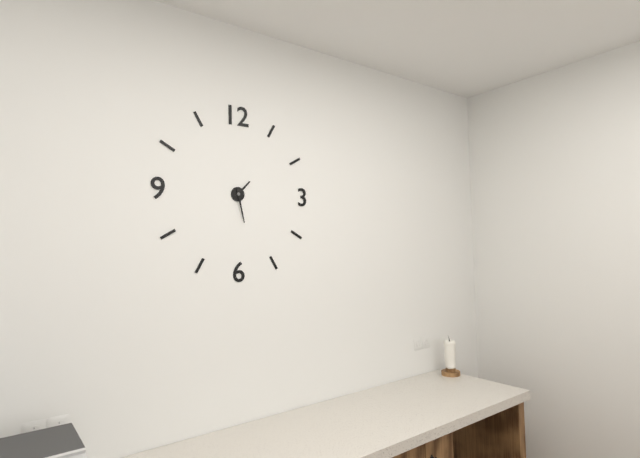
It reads 1,28
